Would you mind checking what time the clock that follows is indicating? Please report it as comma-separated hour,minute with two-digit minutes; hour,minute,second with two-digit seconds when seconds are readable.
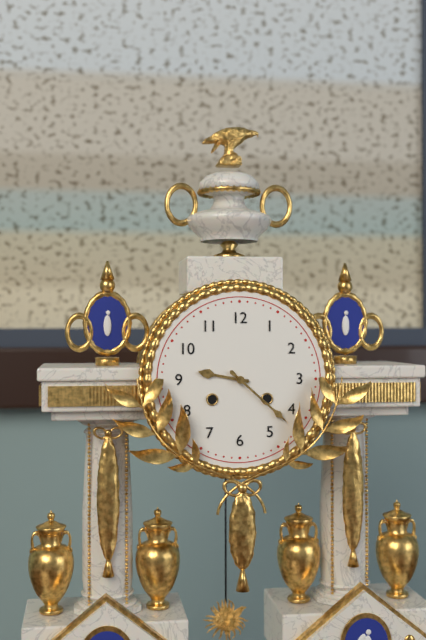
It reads 9,22
